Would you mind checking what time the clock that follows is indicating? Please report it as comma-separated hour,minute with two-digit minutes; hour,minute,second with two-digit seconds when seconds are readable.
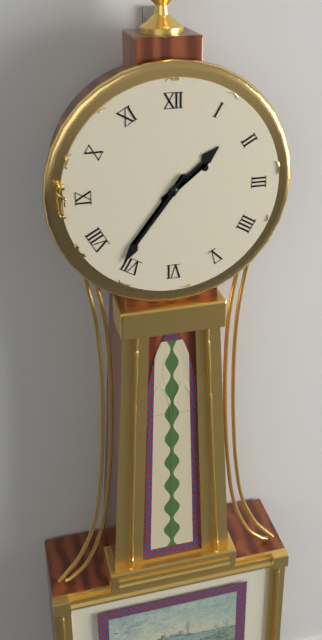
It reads 1,36
